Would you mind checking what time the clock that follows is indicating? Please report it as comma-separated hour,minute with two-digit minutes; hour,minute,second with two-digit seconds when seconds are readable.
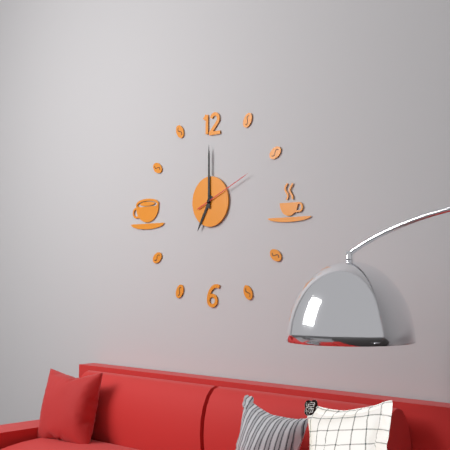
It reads 7,00,11
